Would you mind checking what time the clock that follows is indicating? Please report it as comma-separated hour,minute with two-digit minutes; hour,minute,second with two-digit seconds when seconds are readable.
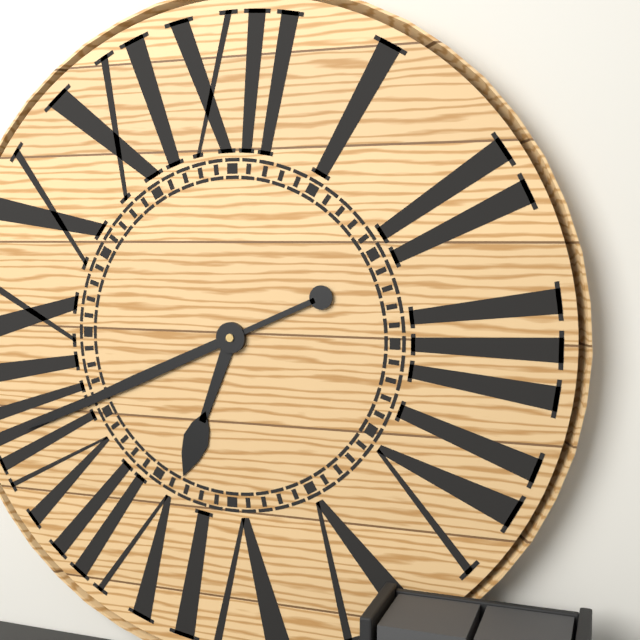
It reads 6,41
